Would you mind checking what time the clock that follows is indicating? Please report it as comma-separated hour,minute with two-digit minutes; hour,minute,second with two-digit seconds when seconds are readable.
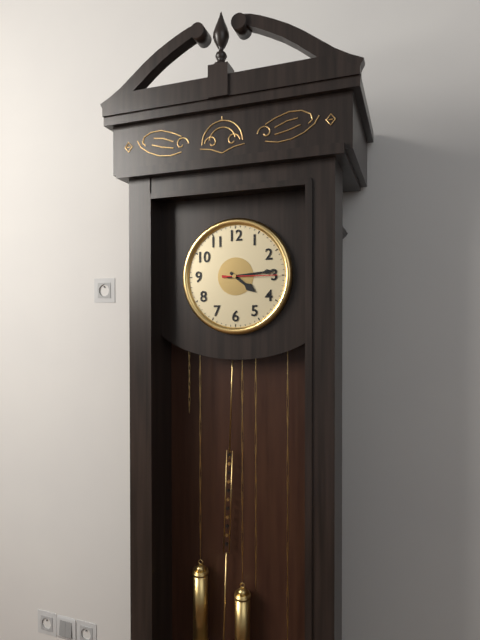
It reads 4,14,15
